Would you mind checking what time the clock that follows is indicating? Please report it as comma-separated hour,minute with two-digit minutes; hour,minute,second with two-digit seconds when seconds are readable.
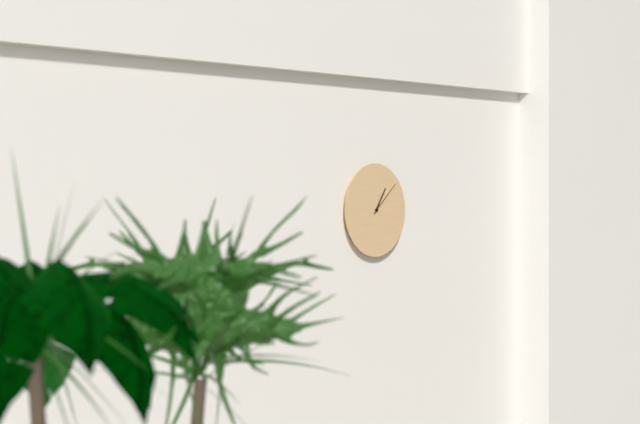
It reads 1,08
